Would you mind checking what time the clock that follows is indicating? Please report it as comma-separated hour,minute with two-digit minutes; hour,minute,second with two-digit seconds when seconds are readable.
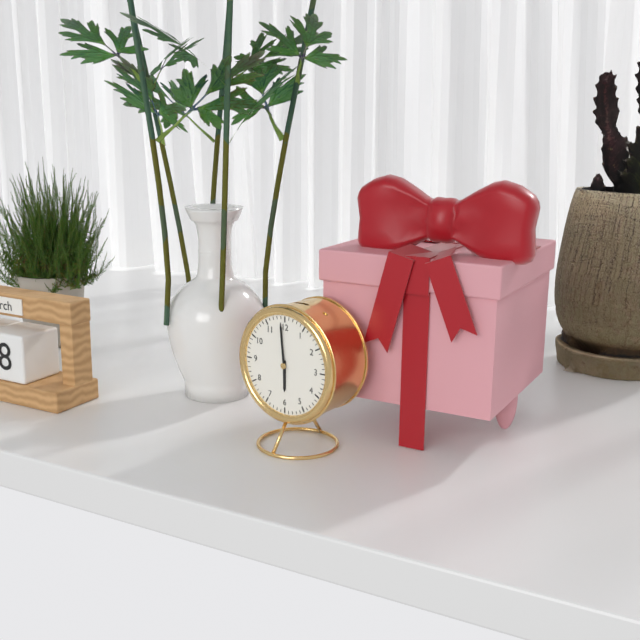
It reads 5,59
